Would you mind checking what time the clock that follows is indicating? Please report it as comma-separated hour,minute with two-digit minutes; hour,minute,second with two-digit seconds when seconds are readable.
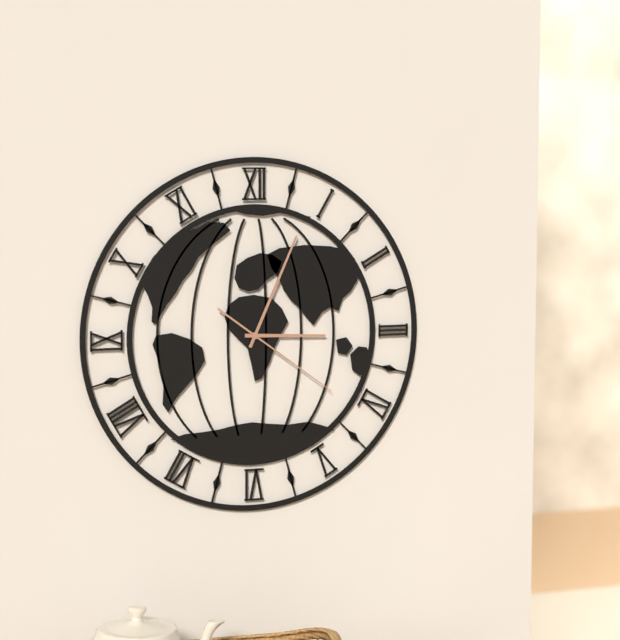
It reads 3,04,21
